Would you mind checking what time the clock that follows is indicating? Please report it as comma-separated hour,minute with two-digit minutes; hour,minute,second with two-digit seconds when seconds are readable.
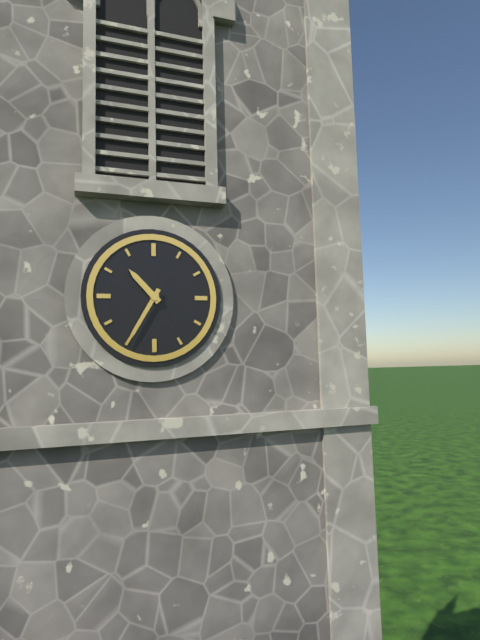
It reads 10,35
